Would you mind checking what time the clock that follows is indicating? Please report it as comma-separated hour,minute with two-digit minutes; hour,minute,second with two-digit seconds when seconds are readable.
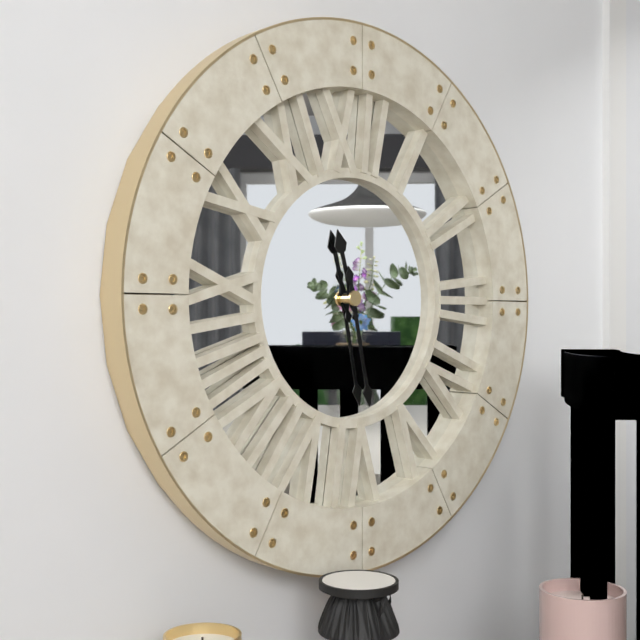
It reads 11,28
